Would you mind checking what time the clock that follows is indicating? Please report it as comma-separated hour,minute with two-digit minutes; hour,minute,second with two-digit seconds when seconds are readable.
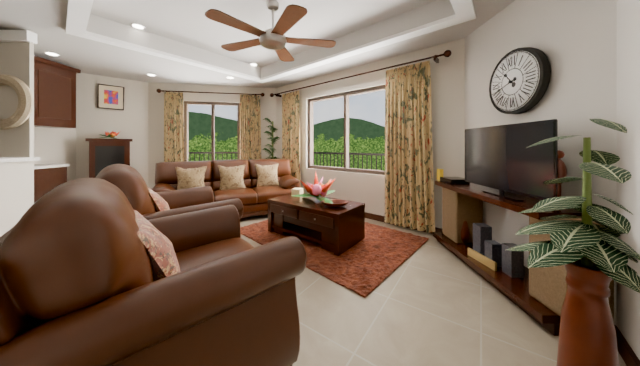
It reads 10,42
